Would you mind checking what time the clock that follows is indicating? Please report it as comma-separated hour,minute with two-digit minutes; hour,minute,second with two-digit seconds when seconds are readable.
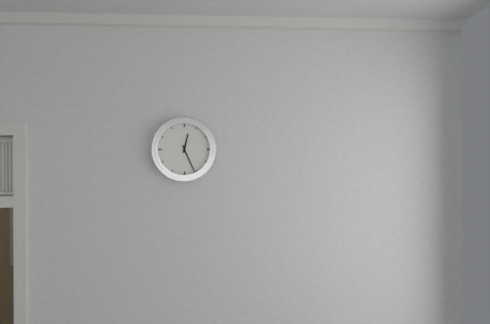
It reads 12,26
